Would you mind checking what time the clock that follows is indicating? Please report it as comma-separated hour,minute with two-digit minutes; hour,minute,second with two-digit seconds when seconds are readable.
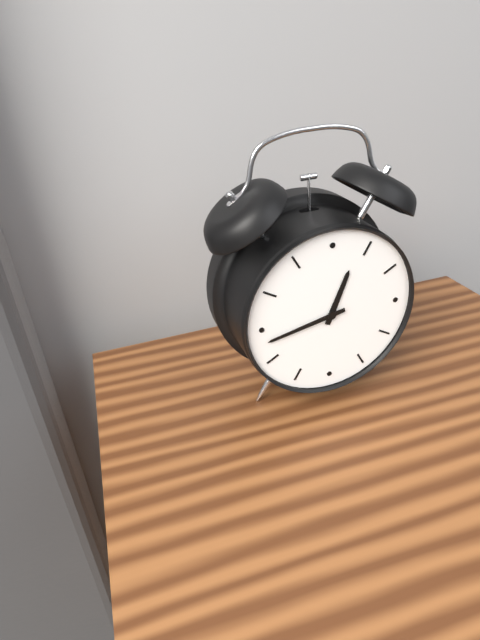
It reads 12,43
